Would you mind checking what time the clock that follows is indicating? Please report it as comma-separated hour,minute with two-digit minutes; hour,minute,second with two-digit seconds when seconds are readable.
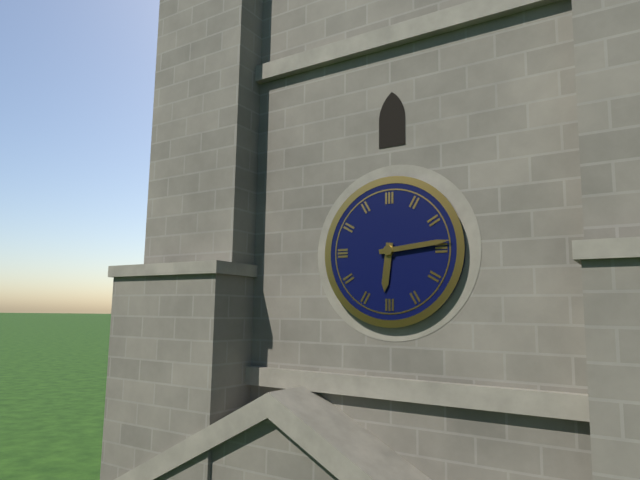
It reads 6,14
